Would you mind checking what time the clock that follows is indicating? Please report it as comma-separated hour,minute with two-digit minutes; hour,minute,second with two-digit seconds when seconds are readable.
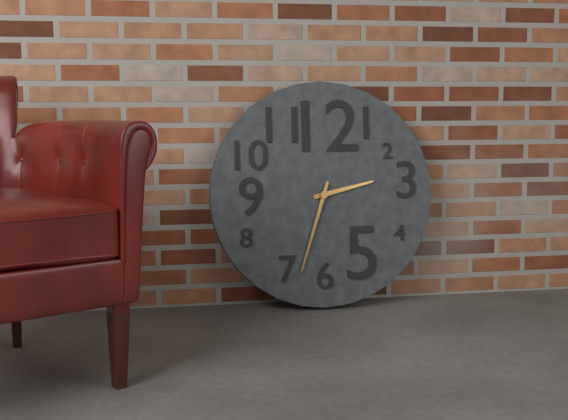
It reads 2,33
